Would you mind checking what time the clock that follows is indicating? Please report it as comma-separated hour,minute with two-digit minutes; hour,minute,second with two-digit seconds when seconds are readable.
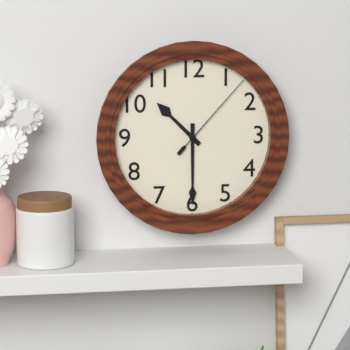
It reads 10,30,07
